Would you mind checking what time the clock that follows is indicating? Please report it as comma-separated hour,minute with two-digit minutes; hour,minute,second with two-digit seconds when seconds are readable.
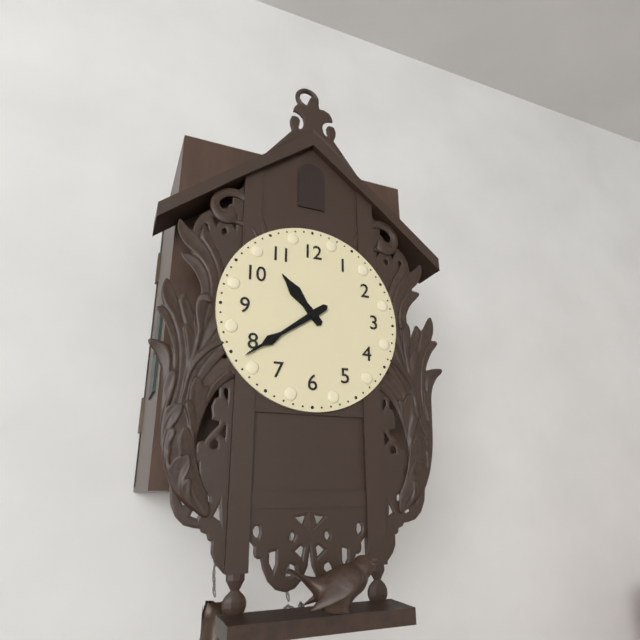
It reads 10,39
